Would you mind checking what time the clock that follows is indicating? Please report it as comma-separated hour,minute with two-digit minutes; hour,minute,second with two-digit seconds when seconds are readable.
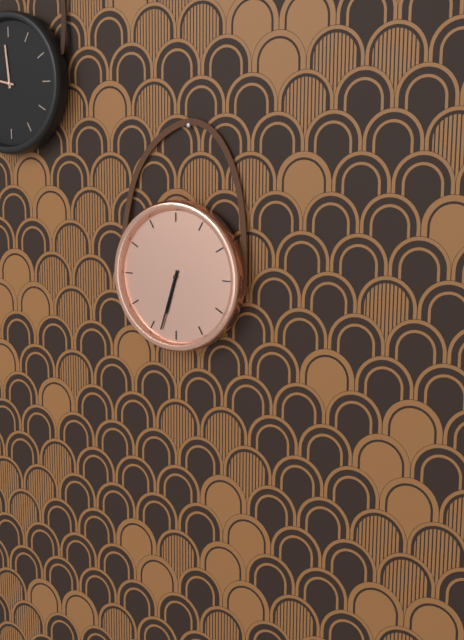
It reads 6,33
